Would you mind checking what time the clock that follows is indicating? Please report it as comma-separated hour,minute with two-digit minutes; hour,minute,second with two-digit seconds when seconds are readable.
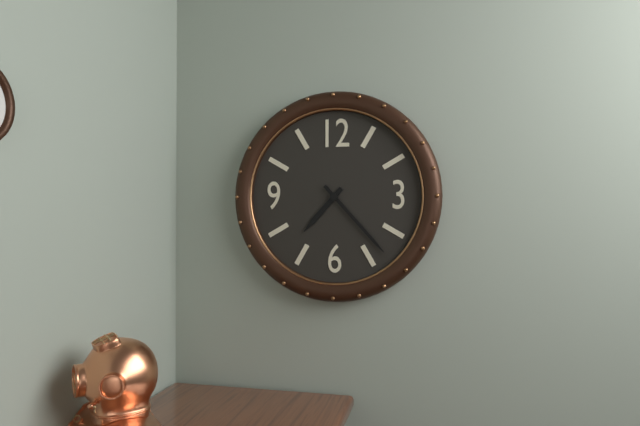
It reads 7,23
